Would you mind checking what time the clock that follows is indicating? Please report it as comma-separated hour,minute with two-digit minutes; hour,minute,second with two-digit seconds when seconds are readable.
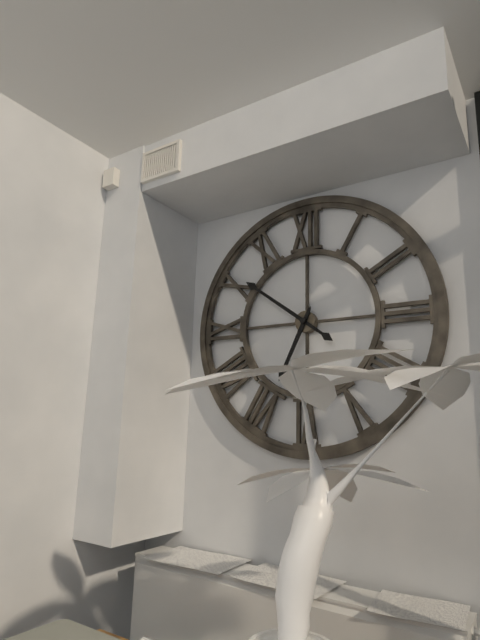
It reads 6,51
